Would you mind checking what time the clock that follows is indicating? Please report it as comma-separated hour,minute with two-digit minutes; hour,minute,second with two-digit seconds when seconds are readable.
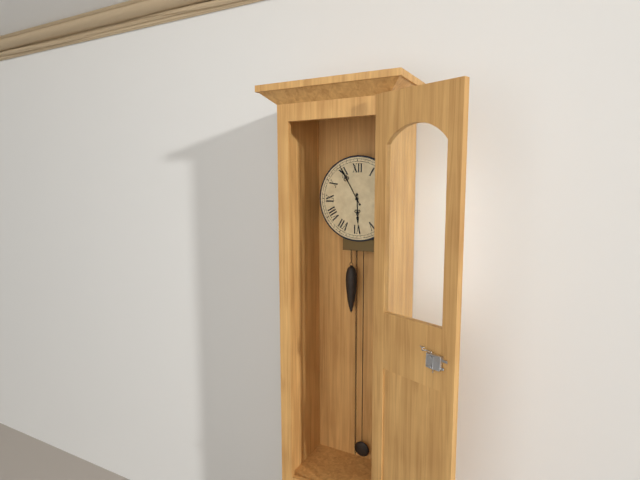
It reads 5,55
